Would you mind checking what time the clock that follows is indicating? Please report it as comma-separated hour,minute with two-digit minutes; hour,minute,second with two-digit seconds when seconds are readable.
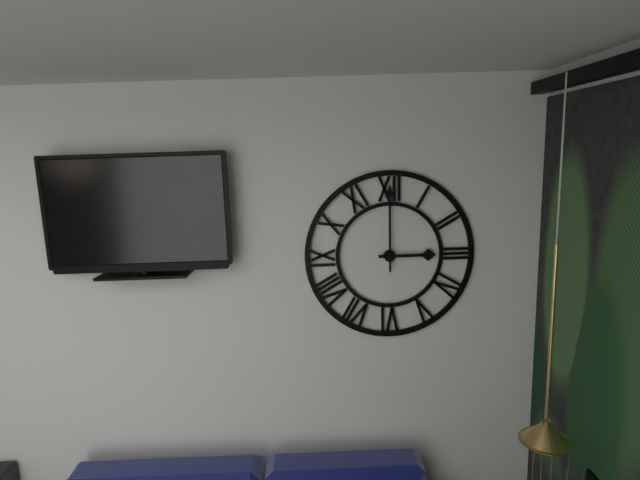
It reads 3,00
